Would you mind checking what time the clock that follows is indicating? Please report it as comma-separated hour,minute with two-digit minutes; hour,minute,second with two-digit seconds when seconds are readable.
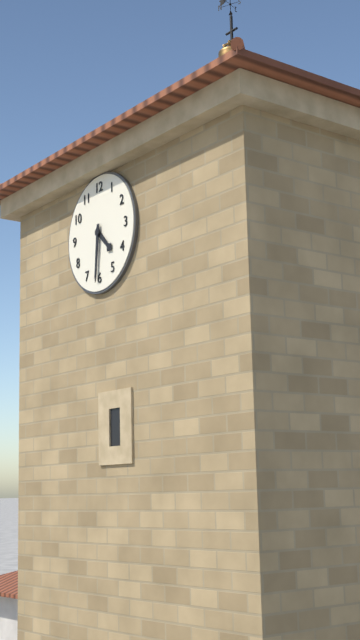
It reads 4,31
